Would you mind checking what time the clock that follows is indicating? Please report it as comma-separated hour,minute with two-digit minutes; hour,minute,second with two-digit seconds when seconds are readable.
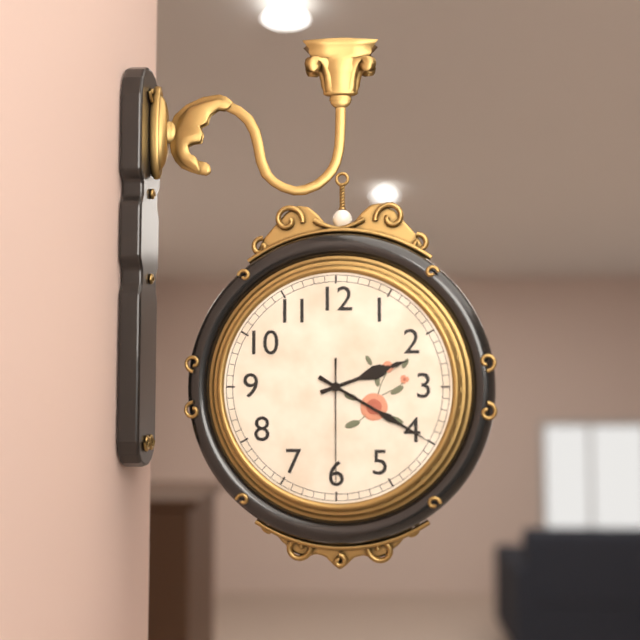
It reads 2,20,30
